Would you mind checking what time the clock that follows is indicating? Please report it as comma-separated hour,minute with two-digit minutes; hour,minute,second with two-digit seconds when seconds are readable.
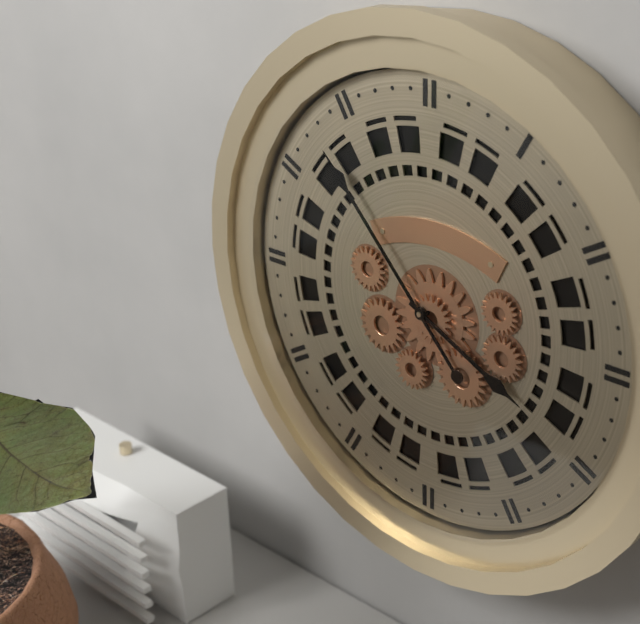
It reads 3,53
